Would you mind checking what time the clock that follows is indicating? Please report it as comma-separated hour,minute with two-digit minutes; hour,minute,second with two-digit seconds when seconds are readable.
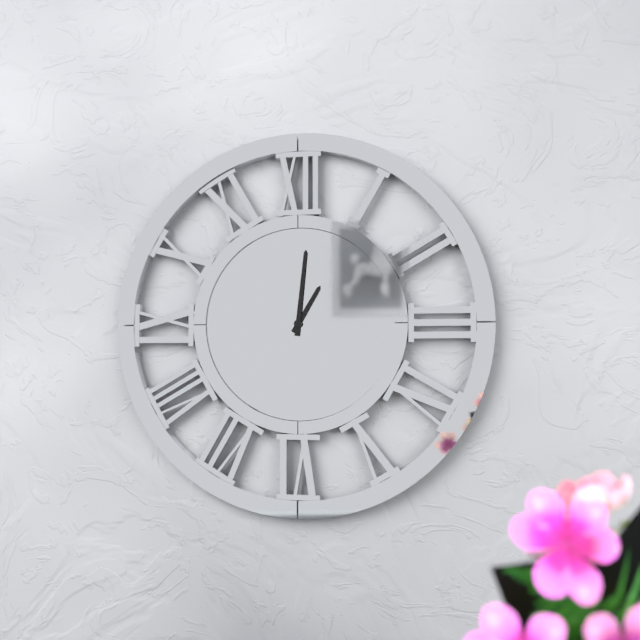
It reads 1,01
